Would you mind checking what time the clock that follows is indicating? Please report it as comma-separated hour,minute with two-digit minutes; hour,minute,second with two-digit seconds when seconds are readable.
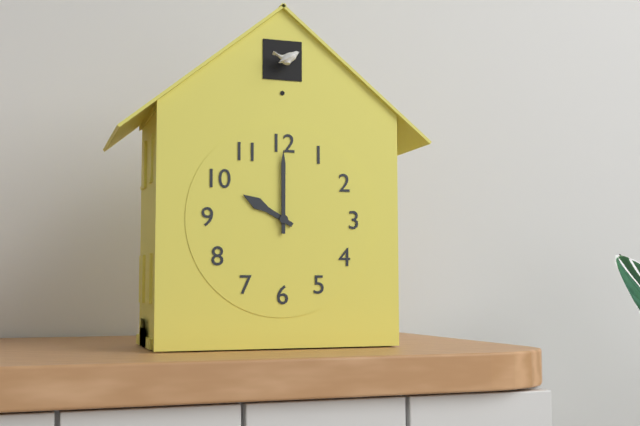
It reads 10,00
